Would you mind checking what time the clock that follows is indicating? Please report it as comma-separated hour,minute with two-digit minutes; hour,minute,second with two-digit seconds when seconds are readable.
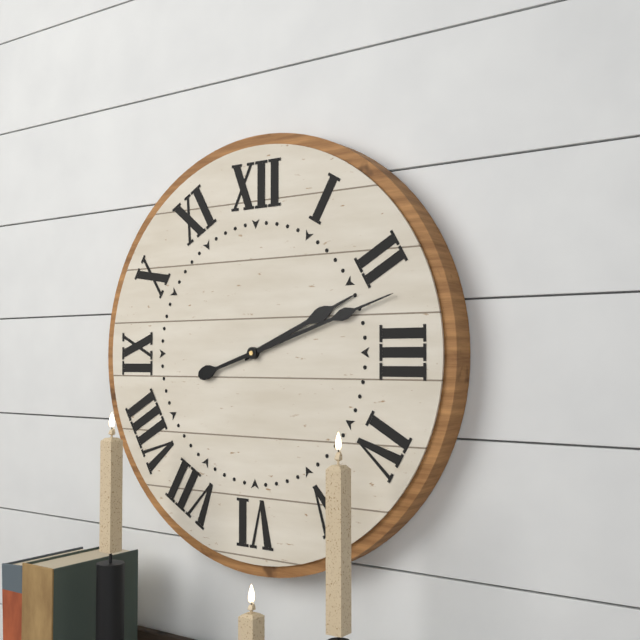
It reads 2,12
